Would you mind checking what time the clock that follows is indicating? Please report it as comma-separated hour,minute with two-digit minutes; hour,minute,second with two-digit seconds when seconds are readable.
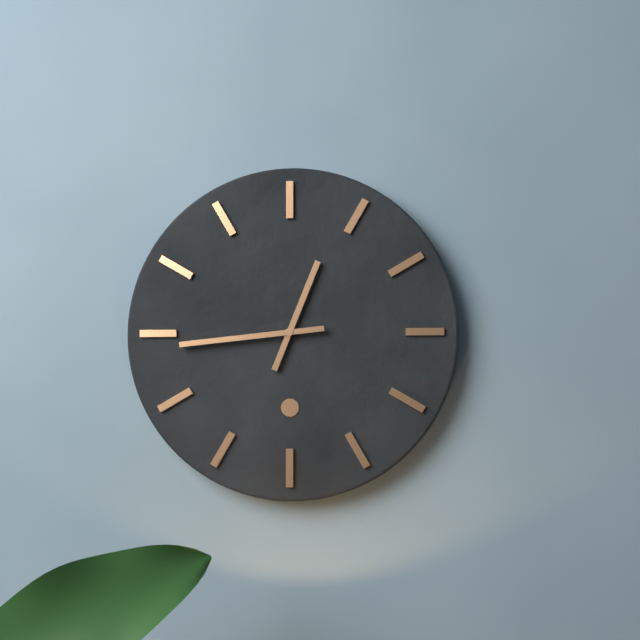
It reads 12,44
